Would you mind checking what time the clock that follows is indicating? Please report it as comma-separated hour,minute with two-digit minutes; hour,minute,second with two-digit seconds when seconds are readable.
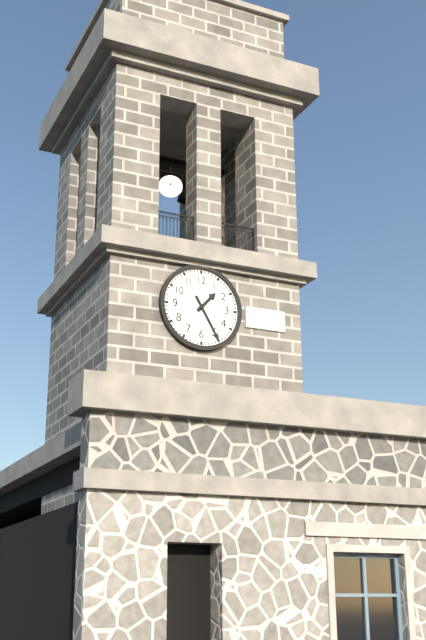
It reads 1,25
